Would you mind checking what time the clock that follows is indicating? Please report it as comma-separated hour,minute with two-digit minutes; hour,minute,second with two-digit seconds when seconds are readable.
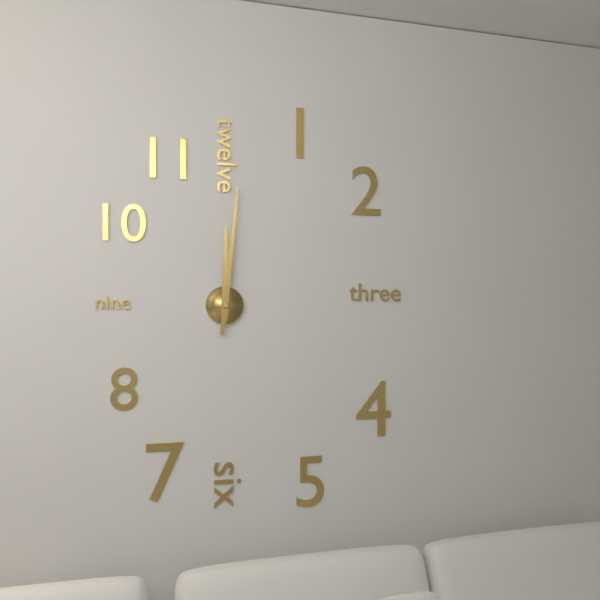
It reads 12,01
